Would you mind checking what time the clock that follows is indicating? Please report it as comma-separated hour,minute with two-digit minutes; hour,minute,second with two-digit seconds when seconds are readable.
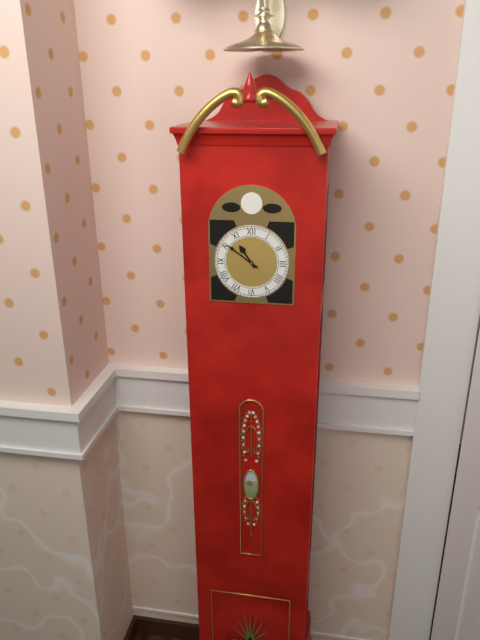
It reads 10,51
